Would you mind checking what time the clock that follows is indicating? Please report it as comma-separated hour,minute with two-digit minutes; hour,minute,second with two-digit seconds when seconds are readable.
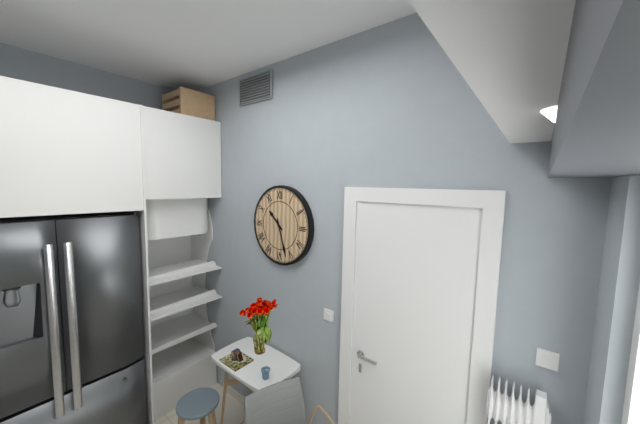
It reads 10,27
